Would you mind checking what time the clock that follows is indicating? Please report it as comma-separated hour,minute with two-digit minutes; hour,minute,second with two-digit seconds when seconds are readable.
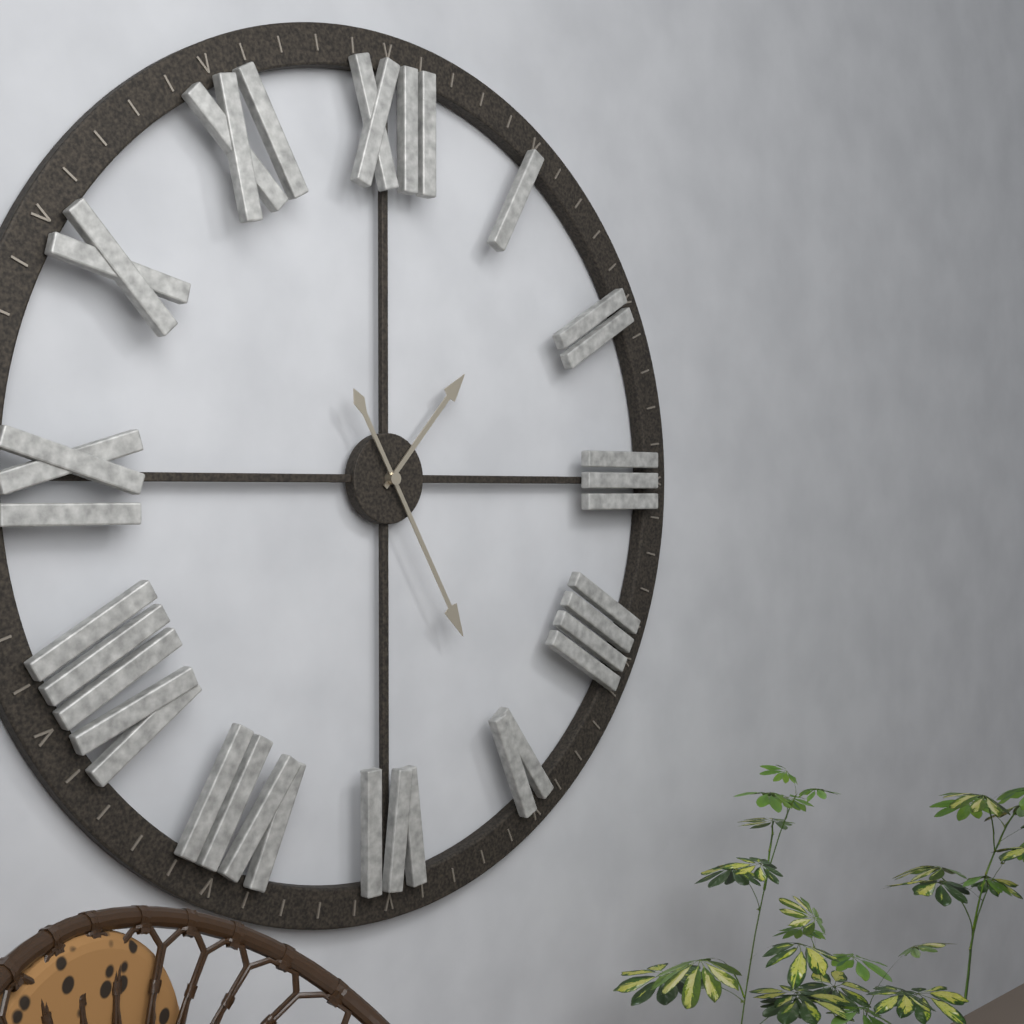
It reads 1,25
